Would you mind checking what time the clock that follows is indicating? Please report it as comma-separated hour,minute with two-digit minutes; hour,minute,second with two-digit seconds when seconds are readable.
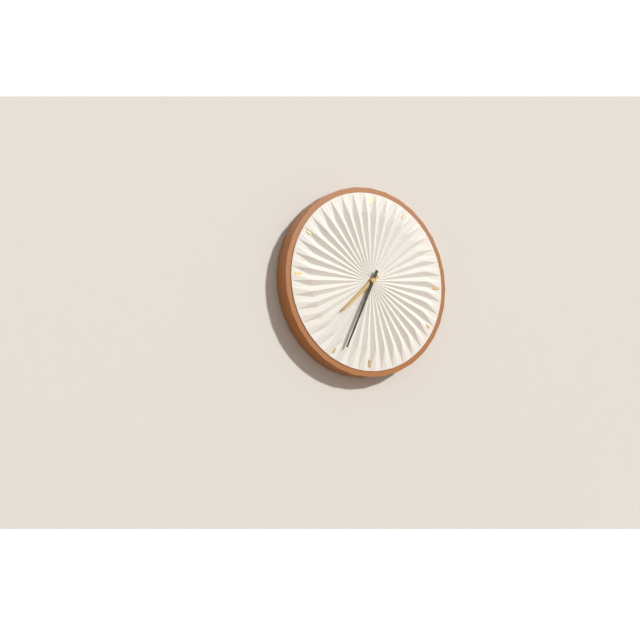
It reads 7,34
